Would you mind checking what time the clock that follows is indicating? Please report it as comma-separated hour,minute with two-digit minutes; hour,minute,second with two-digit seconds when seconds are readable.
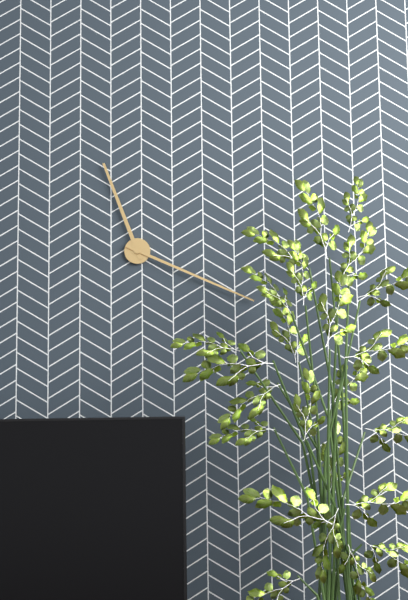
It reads 11,19
